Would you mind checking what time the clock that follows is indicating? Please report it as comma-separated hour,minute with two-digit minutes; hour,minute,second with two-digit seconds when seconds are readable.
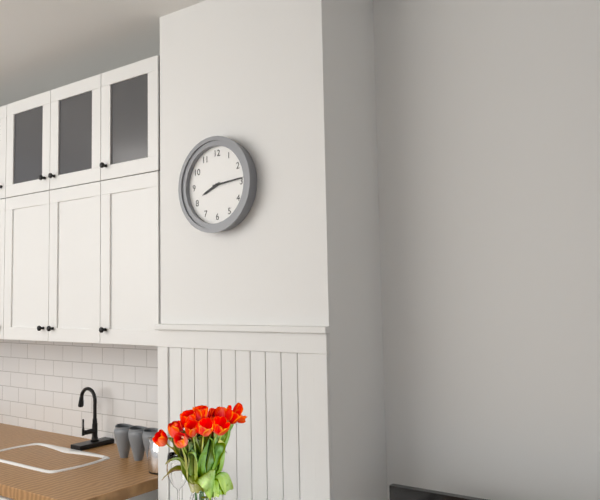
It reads 8,14
